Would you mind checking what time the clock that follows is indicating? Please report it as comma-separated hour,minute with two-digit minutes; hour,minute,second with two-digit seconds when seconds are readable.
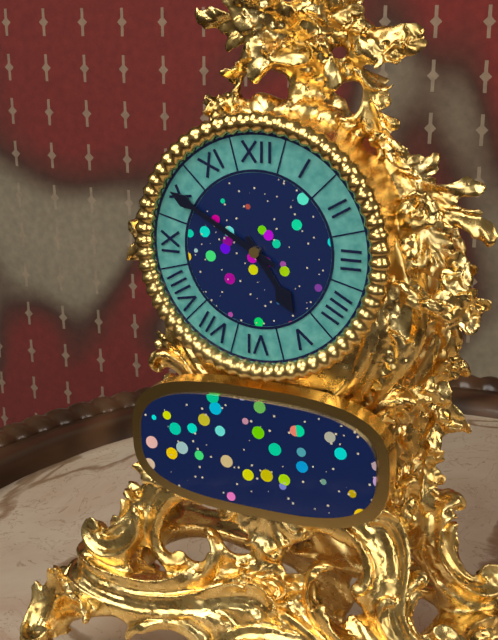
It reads 4,50
